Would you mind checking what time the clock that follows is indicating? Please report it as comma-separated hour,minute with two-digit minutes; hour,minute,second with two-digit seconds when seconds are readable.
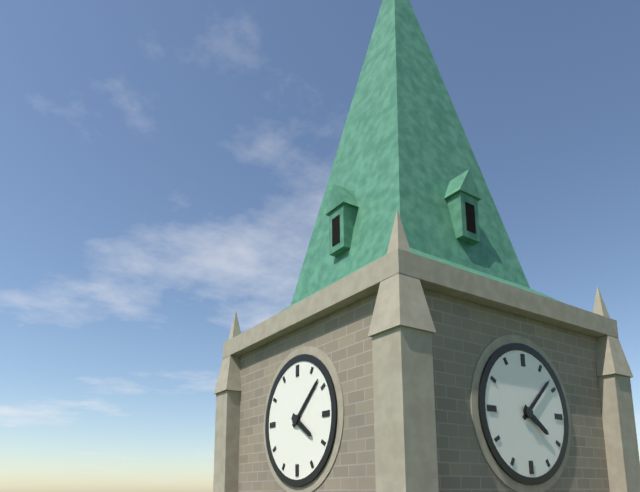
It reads 4,08
